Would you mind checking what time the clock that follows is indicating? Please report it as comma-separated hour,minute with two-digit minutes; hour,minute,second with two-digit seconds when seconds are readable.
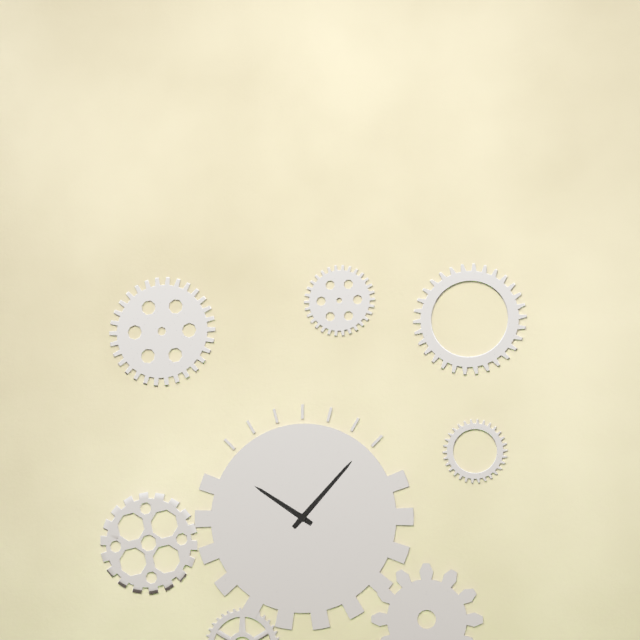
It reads 10,07
